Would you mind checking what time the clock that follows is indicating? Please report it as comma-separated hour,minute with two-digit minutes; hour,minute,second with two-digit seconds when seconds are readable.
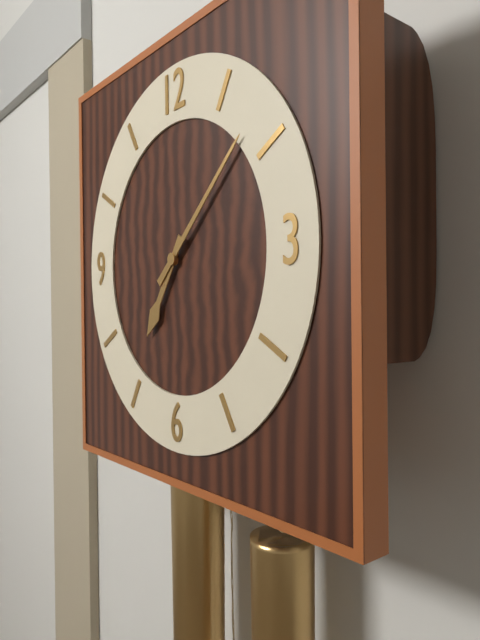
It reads 7,08
